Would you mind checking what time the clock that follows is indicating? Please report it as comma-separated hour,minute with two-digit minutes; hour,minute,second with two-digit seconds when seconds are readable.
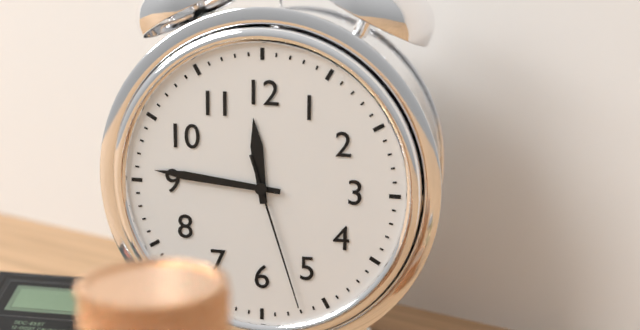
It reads 11,46,27
